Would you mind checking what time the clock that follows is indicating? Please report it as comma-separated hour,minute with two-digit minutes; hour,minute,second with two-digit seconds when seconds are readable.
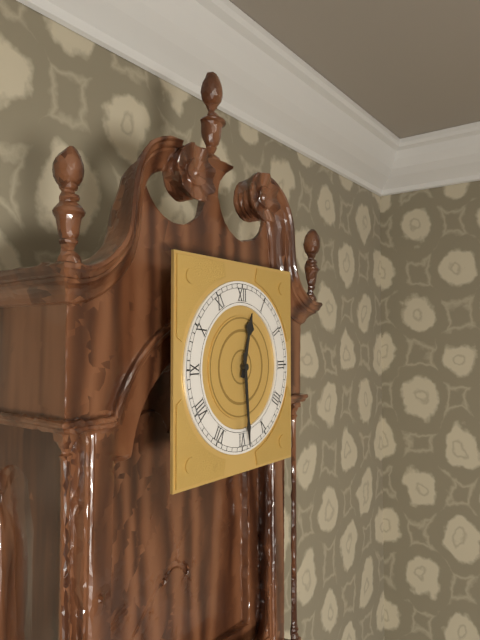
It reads 12,29
